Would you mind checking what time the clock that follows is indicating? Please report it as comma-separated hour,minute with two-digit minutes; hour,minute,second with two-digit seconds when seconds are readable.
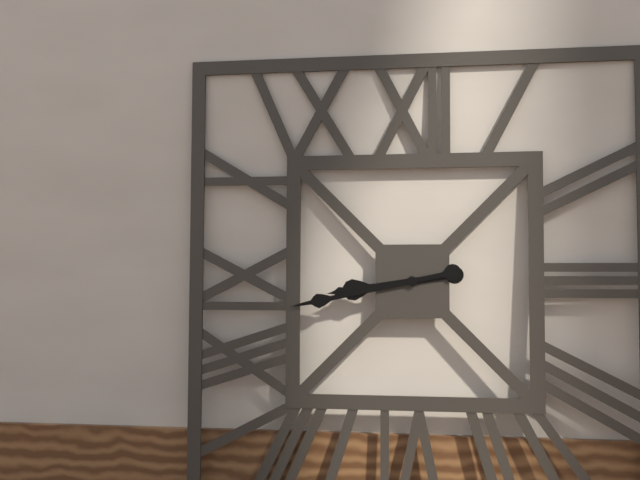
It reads 8,43
